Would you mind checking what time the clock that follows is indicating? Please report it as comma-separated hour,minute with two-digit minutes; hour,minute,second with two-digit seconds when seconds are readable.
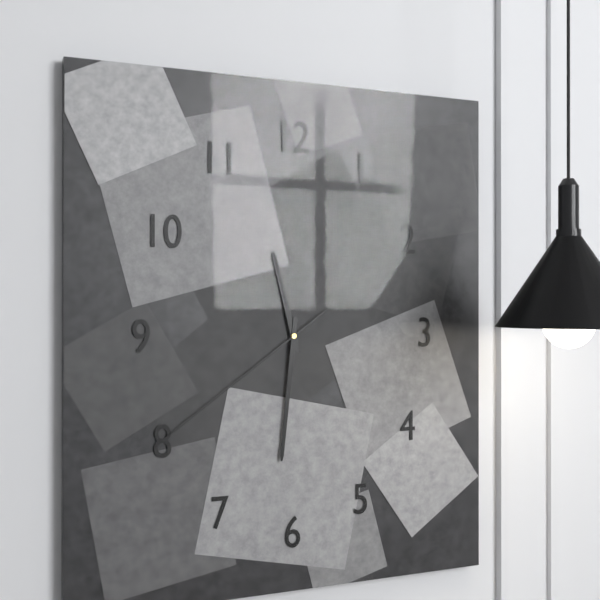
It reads 11,31,39
